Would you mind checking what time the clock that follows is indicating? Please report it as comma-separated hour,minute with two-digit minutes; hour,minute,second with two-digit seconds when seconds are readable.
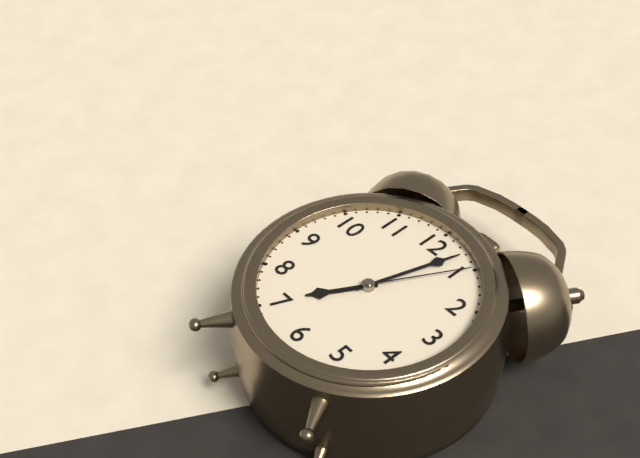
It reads 7,03,05
